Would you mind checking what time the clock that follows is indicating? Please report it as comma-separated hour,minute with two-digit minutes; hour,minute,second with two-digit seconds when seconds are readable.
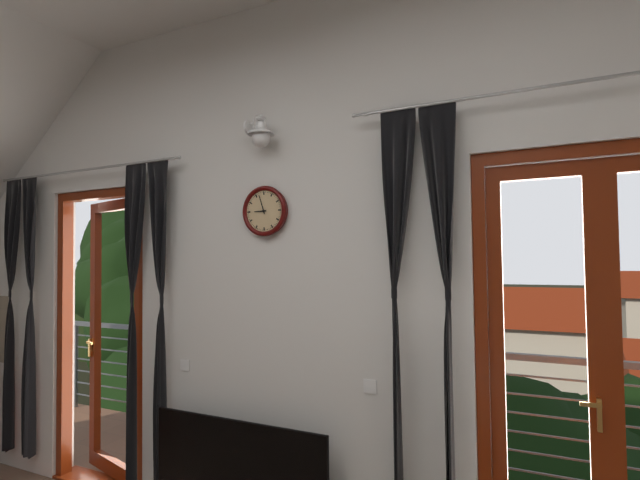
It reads 8,57
